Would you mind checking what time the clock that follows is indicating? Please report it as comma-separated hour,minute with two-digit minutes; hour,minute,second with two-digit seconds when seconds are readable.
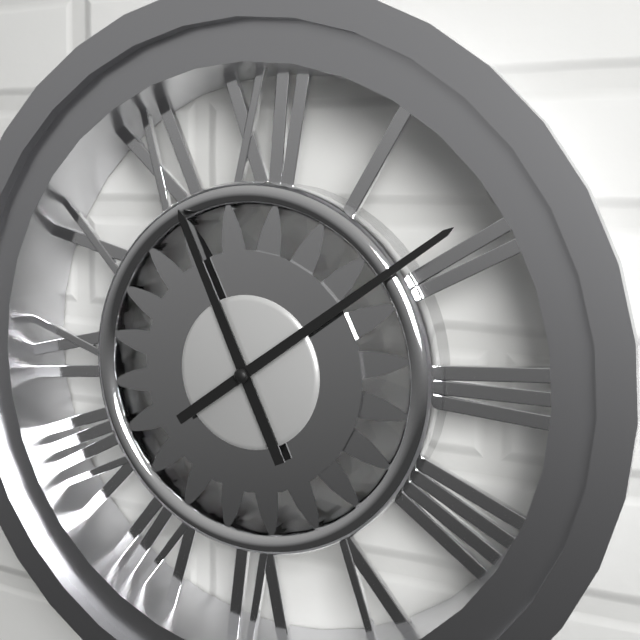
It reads 11,09
